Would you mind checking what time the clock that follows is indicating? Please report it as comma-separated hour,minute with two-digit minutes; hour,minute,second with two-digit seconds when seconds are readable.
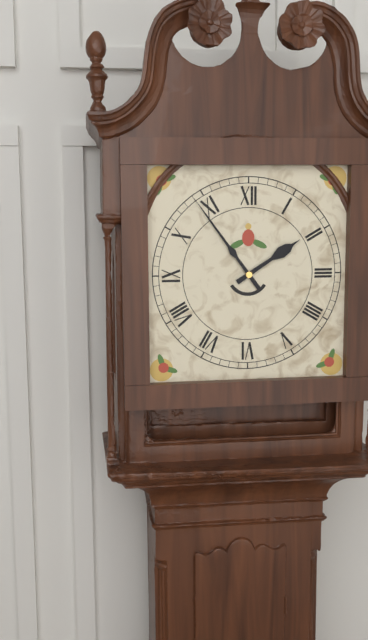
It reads 1,54
